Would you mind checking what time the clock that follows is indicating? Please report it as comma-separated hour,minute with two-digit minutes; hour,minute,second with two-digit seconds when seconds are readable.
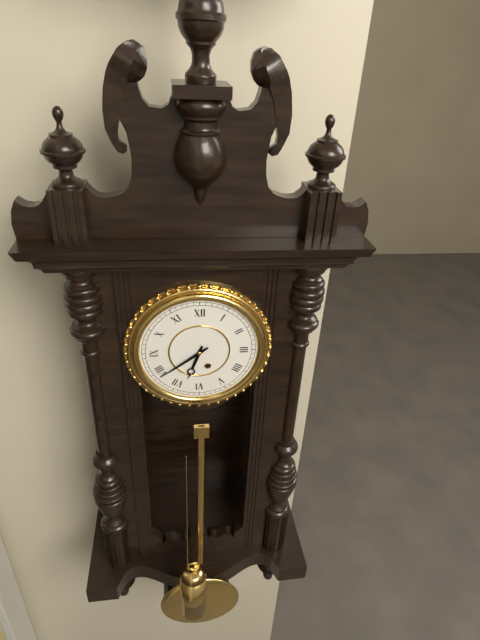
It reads 6,39
